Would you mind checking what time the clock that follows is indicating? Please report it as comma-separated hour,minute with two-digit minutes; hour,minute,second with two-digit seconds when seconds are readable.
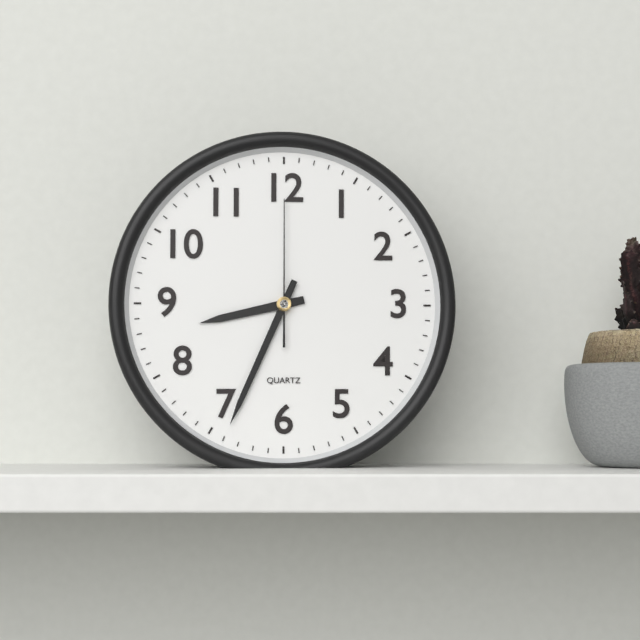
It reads 8,34,00
